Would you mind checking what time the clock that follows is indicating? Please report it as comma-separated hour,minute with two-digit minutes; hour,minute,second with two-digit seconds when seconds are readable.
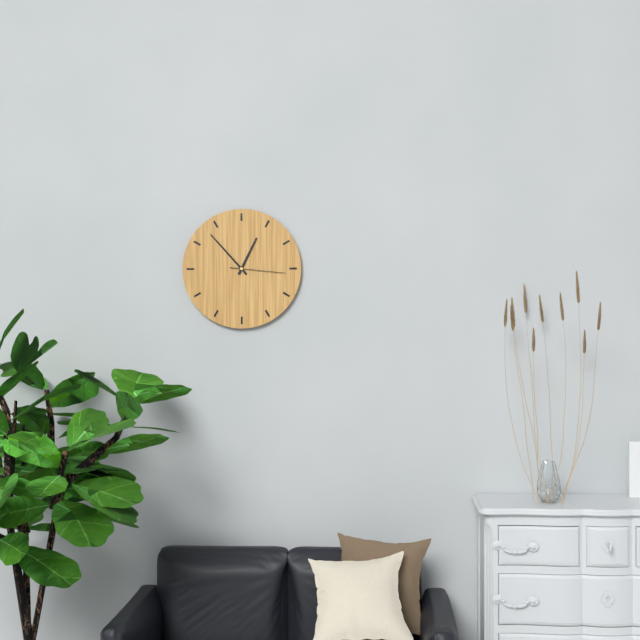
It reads 12,53,16
